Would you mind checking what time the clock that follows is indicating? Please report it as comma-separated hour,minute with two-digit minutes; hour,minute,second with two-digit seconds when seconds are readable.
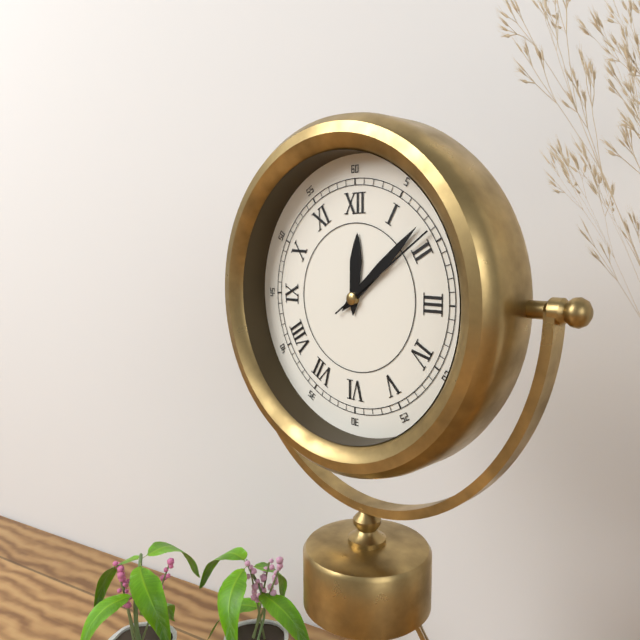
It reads 12,08,09
